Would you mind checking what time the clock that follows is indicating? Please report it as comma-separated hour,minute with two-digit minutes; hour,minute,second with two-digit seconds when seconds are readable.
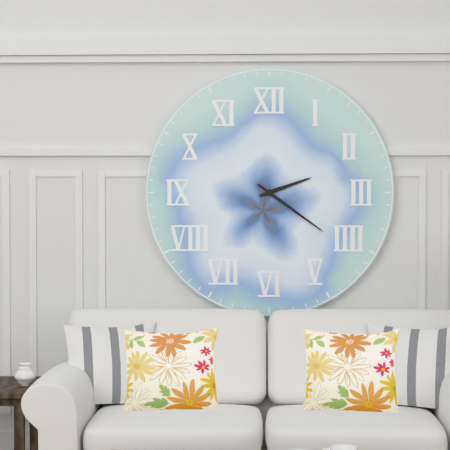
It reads 2,21
